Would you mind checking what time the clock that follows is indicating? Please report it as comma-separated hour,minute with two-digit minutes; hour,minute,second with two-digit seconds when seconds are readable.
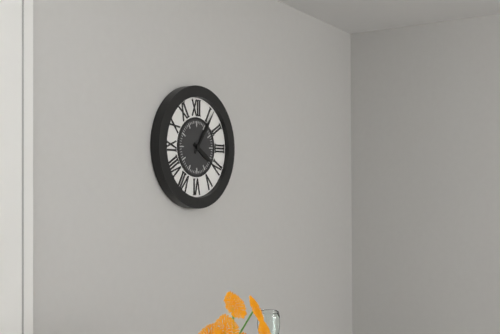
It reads 4,06
